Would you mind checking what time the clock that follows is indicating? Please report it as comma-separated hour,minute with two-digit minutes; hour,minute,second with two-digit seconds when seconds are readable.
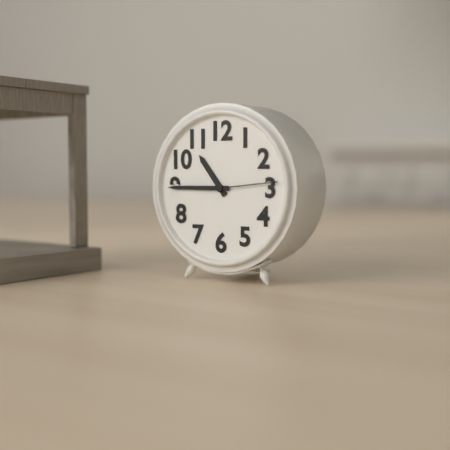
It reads 10,45,14
